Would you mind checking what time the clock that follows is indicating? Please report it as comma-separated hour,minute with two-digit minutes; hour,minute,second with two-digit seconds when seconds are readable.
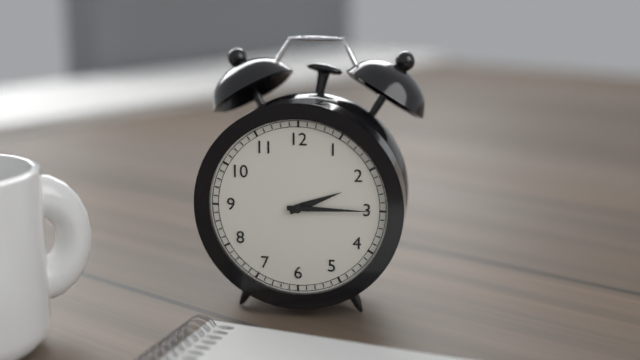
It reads 2,15
